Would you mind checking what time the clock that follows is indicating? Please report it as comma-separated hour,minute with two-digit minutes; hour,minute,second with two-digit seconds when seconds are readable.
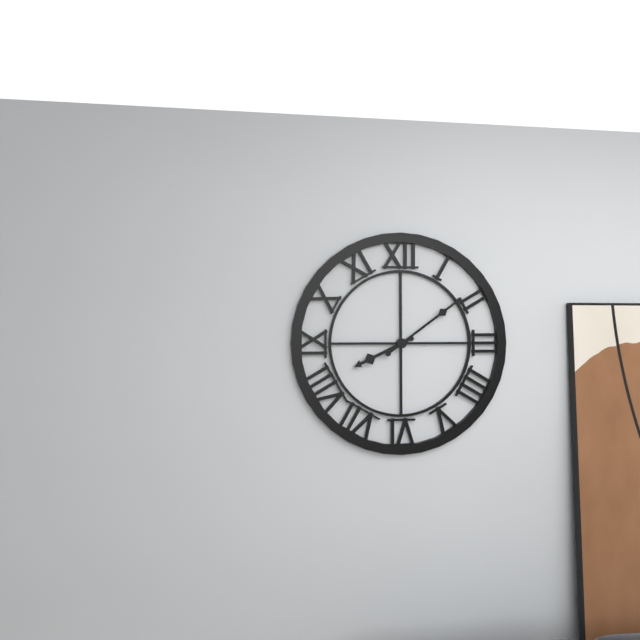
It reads 8,09
